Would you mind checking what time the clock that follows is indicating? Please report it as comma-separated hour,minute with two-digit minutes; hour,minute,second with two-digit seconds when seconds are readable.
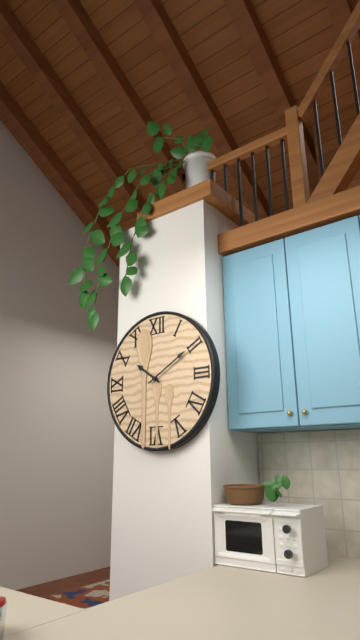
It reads 10,10
